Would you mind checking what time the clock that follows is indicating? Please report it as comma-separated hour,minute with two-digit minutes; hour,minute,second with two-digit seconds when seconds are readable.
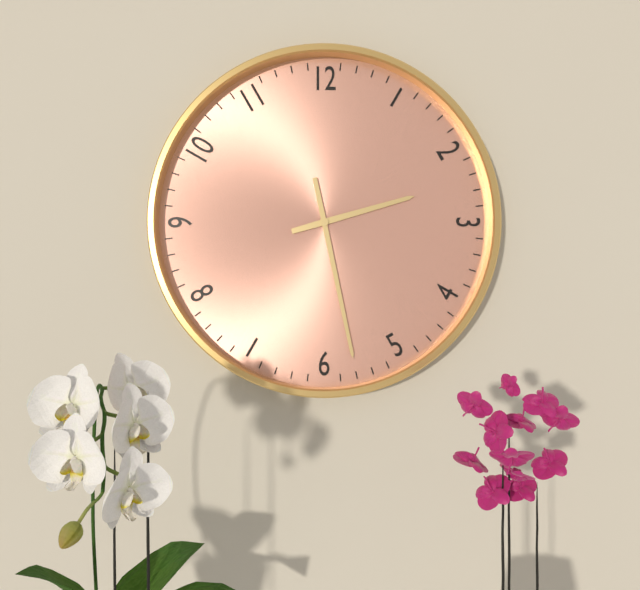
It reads 2,28
